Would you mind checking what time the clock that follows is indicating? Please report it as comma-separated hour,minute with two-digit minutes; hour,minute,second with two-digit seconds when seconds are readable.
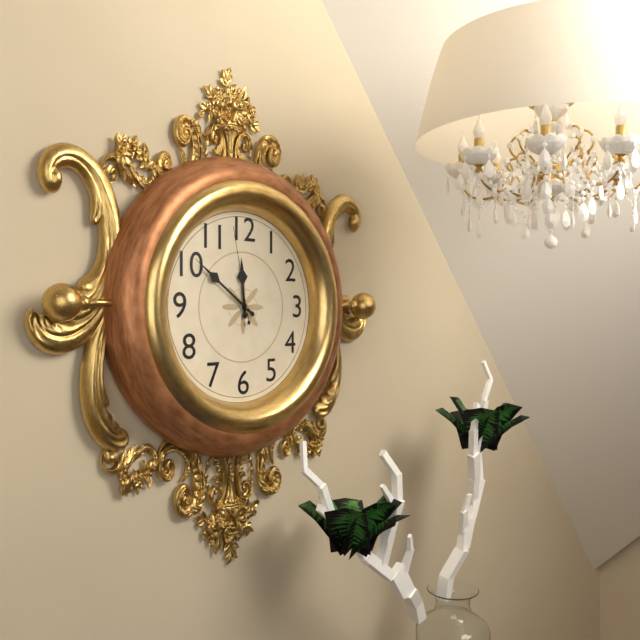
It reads 11,51,58
